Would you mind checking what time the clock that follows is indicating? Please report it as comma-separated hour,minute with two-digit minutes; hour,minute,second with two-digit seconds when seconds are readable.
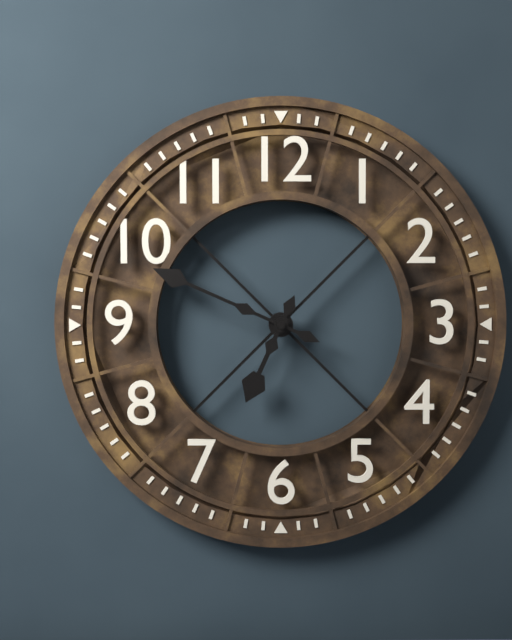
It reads 6,49
